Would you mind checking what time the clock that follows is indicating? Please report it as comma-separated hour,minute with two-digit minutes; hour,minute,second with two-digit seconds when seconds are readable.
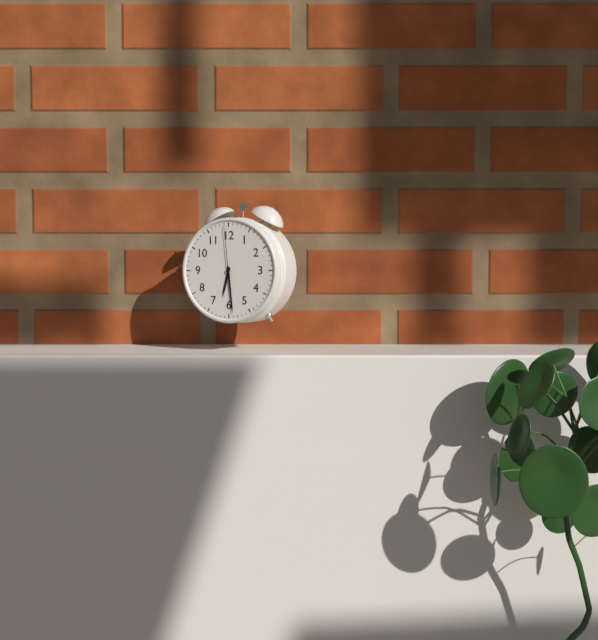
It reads 6,29,59
